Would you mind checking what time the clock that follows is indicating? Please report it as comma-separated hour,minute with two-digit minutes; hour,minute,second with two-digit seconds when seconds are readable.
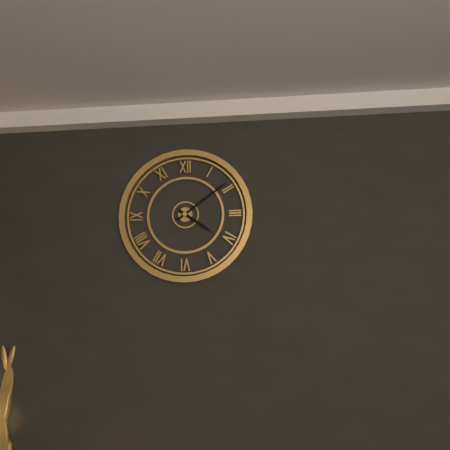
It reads 4,09
